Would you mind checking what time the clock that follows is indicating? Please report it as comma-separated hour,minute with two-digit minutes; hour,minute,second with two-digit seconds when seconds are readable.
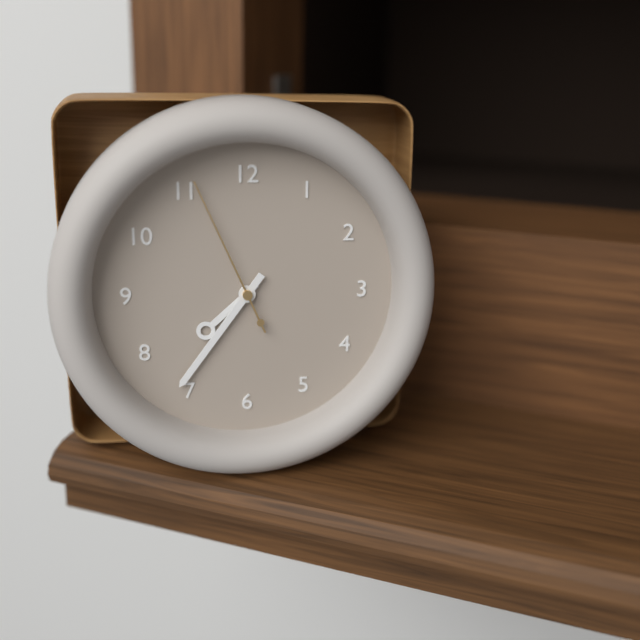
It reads 7,36,56
